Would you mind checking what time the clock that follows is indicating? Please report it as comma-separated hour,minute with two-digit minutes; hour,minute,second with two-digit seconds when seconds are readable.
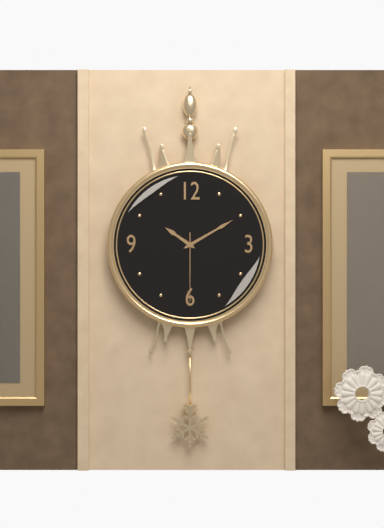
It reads 10,10,30
